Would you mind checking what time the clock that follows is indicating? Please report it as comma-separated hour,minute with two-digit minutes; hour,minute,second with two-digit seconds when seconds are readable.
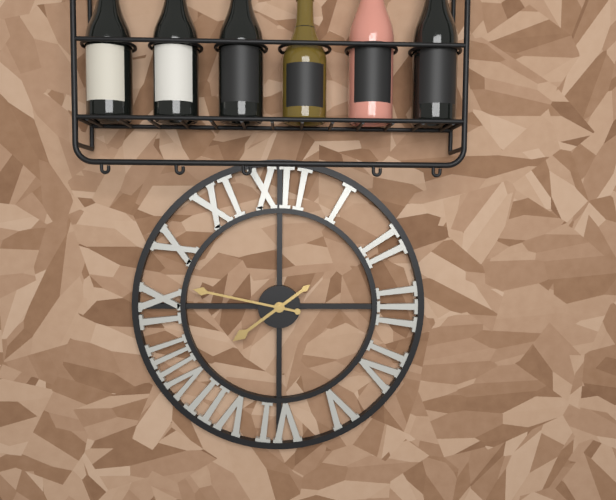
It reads 7,47
